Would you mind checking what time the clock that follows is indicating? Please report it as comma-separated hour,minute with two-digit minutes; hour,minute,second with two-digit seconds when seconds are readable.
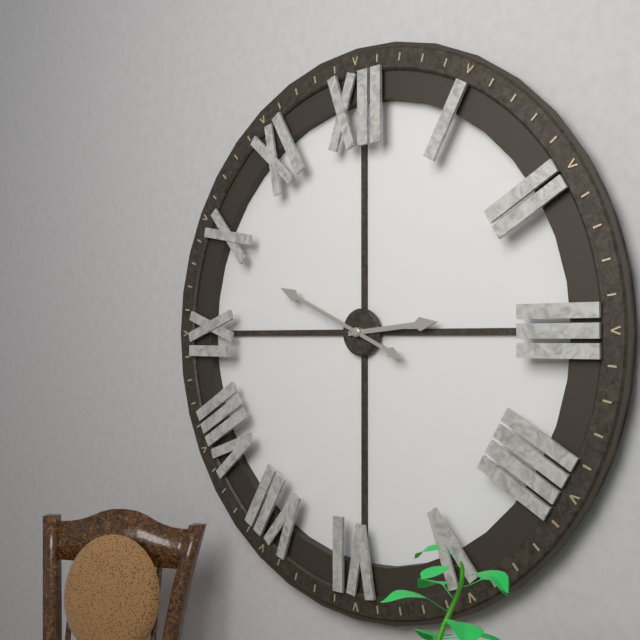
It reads 2,49
